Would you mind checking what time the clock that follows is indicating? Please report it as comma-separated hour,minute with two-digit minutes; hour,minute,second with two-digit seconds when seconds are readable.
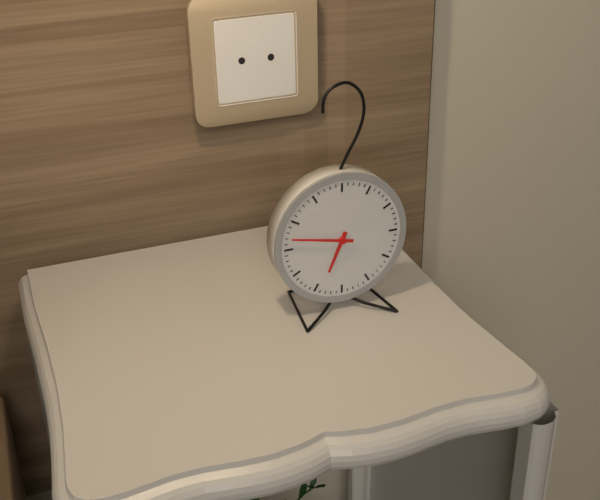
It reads 6,47
